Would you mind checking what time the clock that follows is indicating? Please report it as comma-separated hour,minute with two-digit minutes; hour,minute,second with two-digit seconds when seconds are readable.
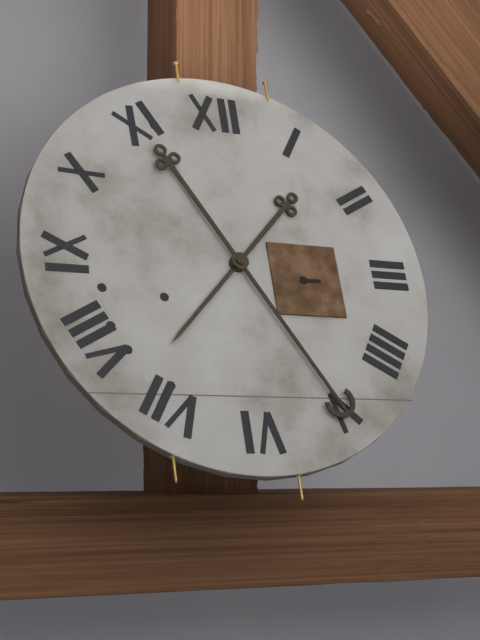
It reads 7,25
